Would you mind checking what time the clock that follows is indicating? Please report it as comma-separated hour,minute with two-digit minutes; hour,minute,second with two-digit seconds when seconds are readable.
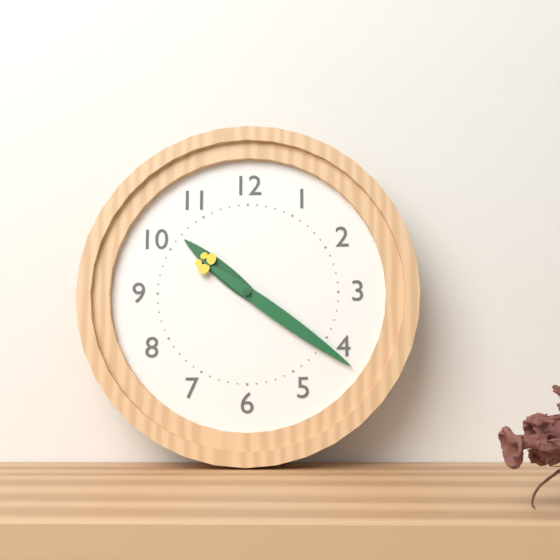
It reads 10,21
